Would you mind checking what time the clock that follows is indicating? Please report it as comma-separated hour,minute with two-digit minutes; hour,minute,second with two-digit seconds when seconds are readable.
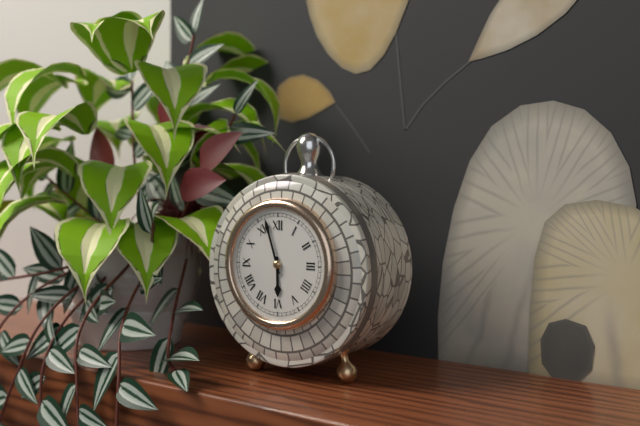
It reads 5,57
